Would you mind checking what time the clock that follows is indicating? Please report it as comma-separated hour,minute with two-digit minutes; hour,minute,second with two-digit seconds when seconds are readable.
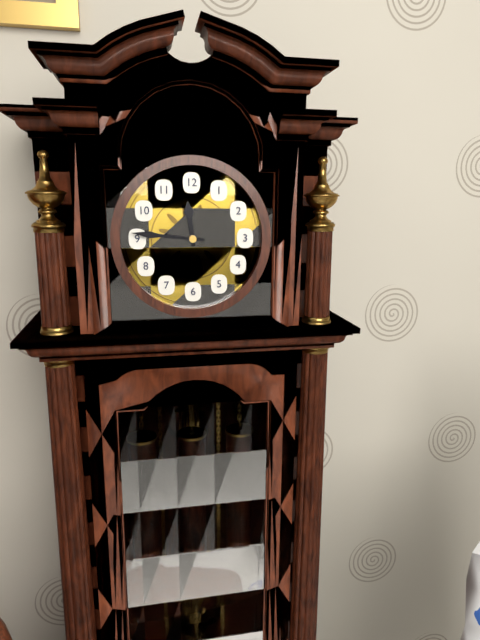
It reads 11,46
